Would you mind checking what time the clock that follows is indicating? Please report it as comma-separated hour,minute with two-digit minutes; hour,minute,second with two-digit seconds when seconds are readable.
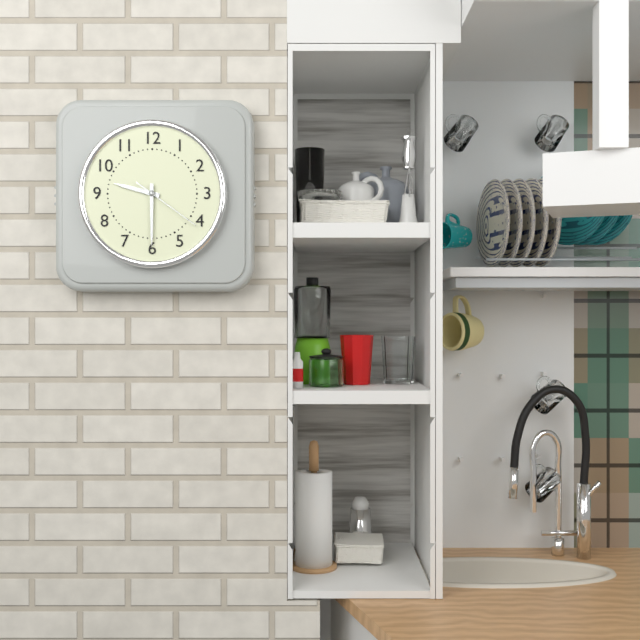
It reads 9,30,21
